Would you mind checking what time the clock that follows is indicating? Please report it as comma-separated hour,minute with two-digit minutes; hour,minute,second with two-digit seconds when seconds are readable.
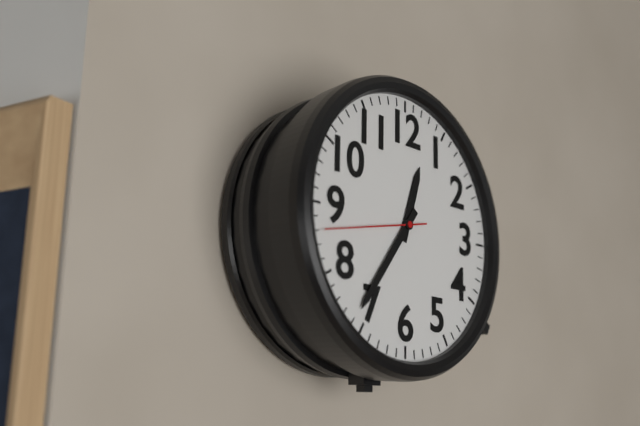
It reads 12,36,43
